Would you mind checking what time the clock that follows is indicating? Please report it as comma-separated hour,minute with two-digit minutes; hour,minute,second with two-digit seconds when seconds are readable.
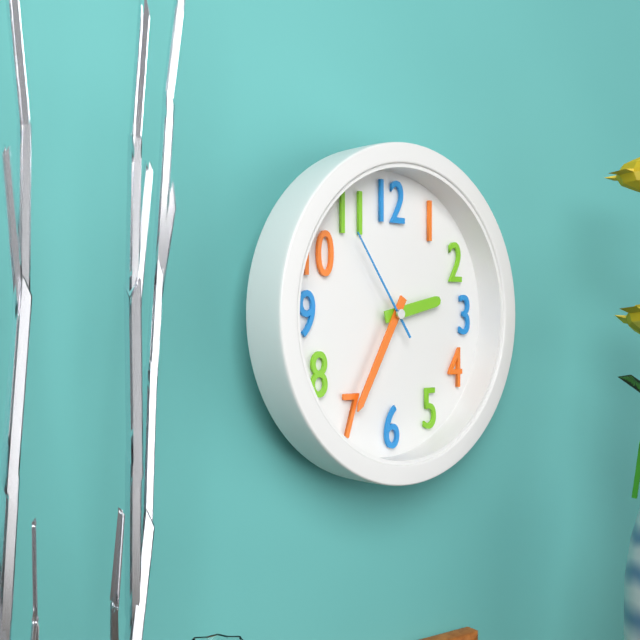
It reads 2,35,54
